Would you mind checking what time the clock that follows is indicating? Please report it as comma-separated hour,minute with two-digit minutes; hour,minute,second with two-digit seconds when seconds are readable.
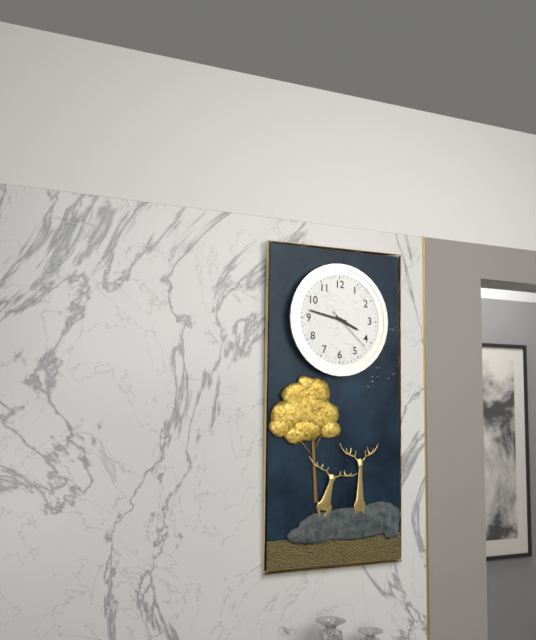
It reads 3,47
